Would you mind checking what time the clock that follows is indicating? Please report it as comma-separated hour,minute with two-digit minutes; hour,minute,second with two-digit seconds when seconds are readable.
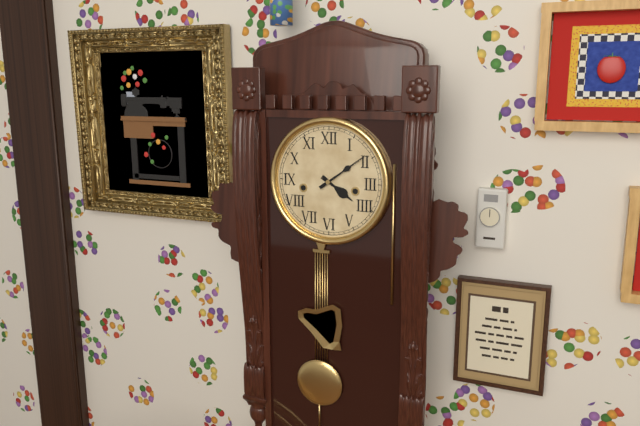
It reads 4,09
